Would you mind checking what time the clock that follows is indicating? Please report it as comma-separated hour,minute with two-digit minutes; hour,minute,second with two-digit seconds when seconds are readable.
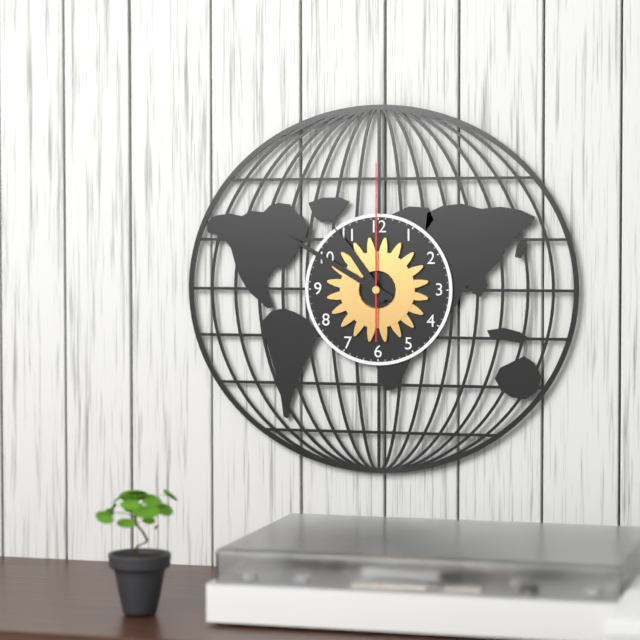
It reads 10,50,00
